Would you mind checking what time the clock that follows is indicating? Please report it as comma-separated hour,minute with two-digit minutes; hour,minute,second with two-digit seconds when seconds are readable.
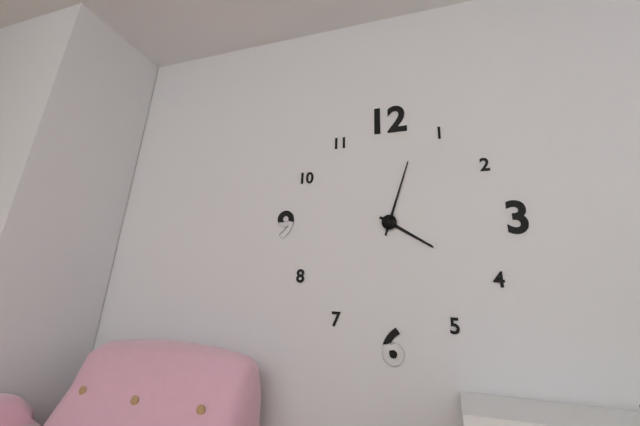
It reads 4,03
